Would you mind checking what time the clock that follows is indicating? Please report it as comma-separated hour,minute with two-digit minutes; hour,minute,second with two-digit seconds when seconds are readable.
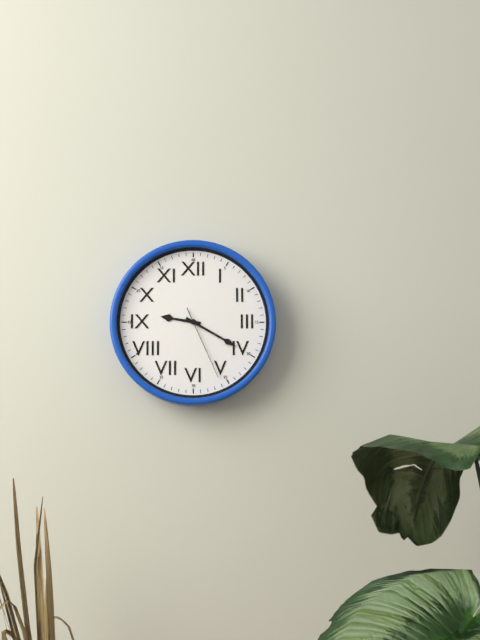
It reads 9,20,26
